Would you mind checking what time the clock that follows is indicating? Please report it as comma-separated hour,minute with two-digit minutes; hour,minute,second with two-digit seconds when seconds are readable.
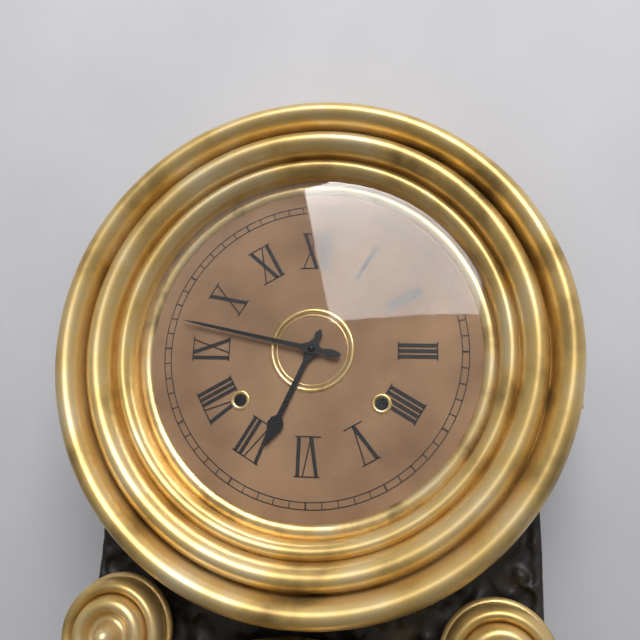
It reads 6,47
